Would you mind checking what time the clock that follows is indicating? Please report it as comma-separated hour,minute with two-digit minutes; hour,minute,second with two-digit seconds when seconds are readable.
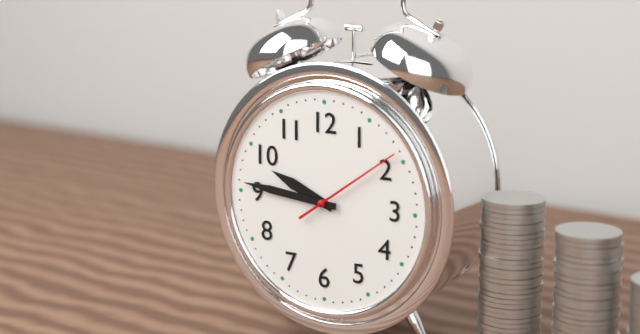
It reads 9,46,09
